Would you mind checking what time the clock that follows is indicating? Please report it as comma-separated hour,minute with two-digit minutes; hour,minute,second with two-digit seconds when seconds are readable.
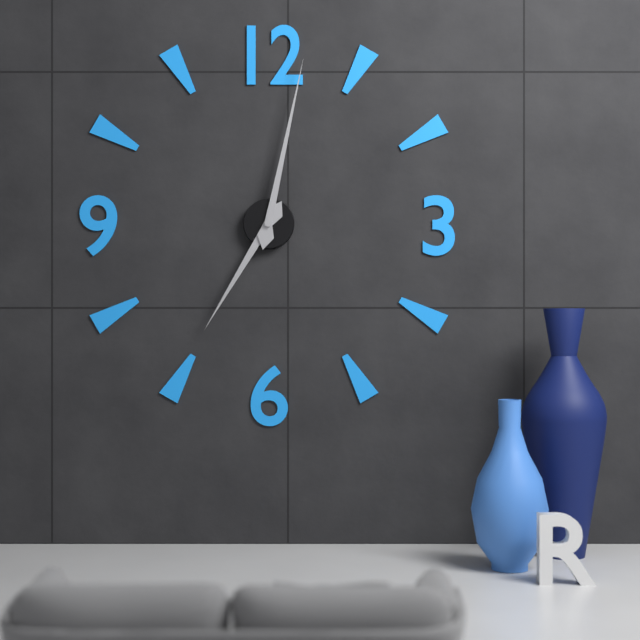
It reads 7,02
